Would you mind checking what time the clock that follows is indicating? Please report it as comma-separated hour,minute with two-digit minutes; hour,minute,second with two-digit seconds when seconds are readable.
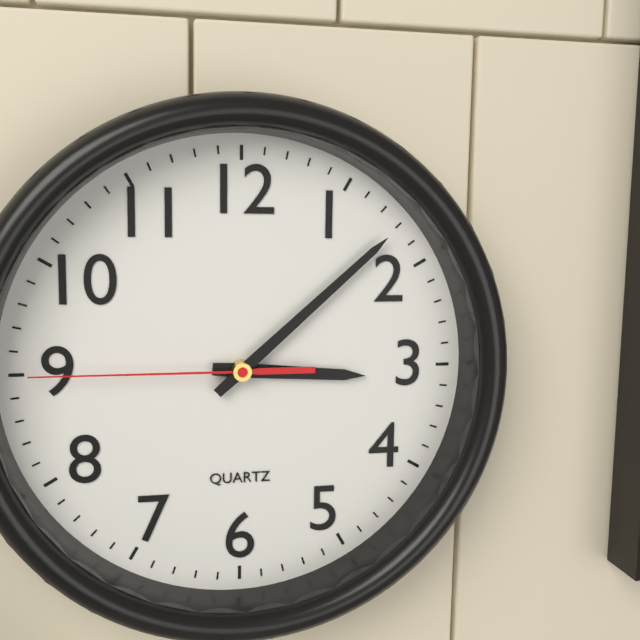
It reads 3,08,45
